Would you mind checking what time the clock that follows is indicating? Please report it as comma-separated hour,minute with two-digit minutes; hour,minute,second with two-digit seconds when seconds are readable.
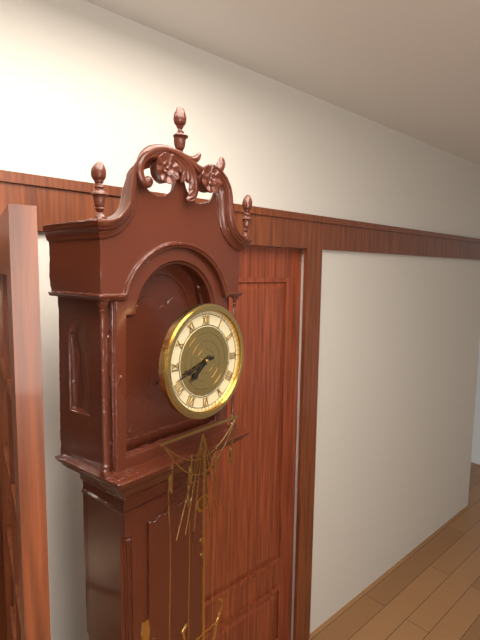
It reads 7,42
